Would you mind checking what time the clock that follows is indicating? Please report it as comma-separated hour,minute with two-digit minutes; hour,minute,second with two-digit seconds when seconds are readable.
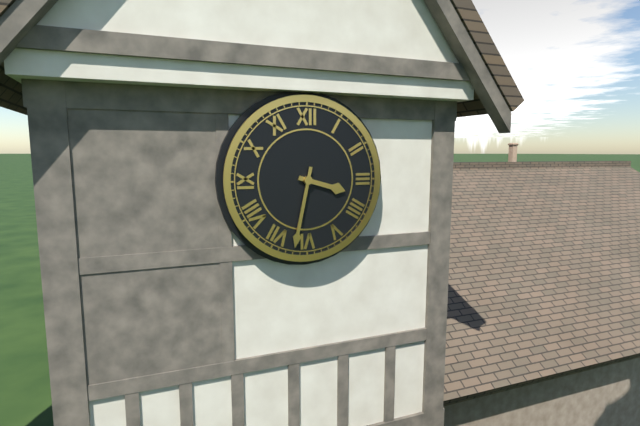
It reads 3,32
